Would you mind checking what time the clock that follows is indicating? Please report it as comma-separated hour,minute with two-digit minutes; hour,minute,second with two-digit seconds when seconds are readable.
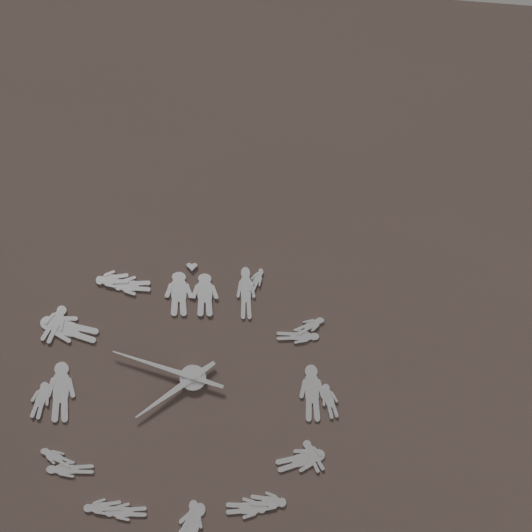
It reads 7,48
